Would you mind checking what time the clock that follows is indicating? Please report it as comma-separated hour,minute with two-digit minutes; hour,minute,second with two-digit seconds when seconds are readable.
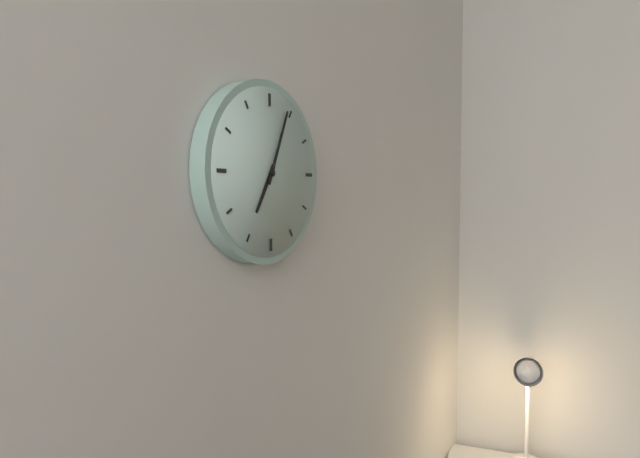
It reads 7,04
